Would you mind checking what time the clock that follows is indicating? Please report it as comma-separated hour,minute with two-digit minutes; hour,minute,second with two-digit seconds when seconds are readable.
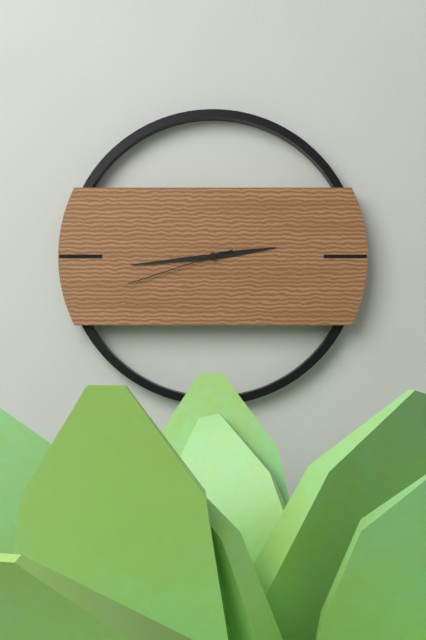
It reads 2,44,42
